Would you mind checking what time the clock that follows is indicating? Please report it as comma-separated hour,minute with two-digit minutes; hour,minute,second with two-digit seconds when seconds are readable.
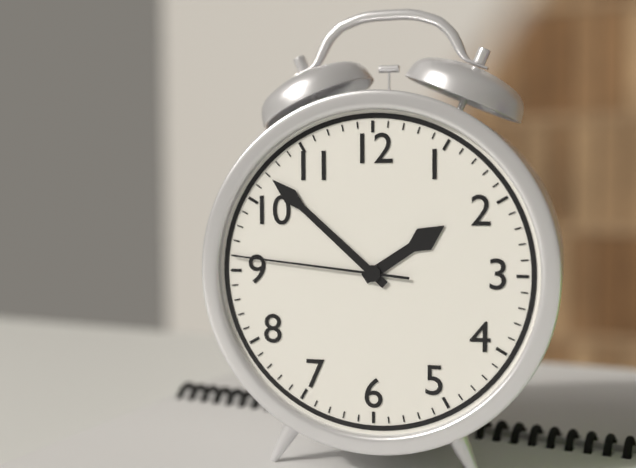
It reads 1,52,46
